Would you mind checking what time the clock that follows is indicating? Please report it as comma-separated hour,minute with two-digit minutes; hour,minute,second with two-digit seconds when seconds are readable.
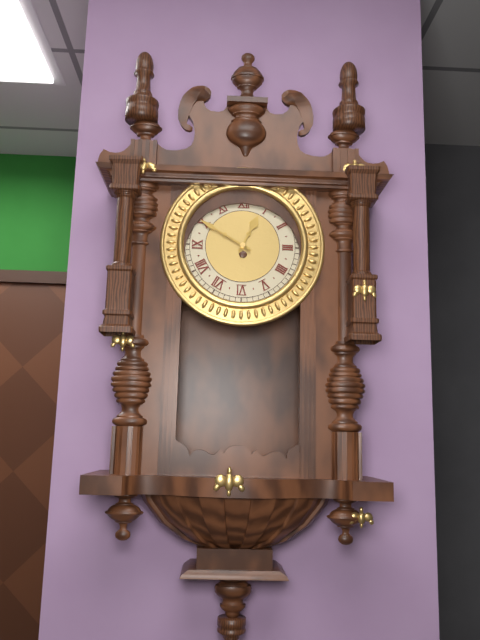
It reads 12,50
